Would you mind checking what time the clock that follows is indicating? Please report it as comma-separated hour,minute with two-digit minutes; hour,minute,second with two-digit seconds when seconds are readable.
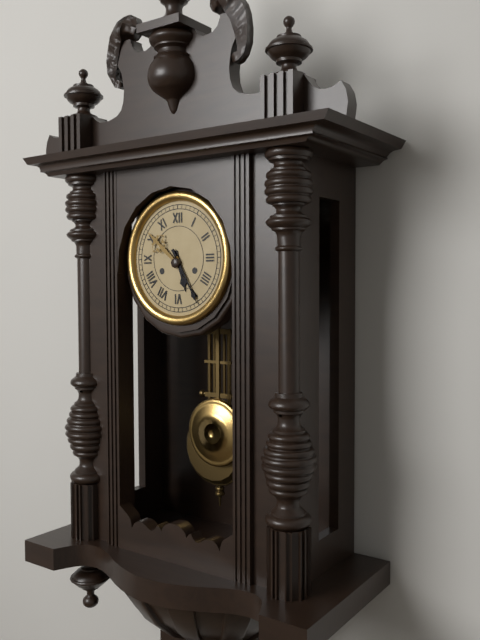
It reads 5,25
